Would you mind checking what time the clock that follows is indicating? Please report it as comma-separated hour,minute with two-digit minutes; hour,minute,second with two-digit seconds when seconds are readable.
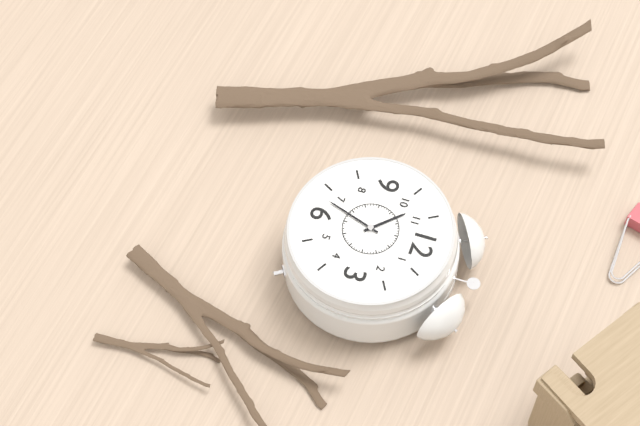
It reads 10,33
